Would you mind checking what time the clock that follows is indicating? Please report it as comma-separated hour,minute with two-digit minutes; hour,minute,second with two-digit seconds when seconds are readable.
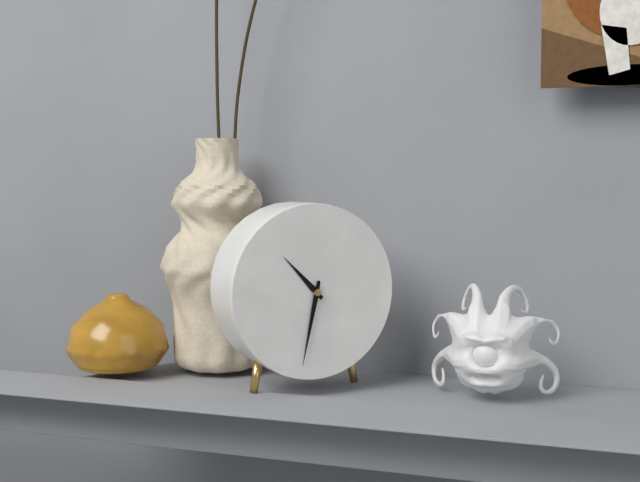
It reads 10,32
